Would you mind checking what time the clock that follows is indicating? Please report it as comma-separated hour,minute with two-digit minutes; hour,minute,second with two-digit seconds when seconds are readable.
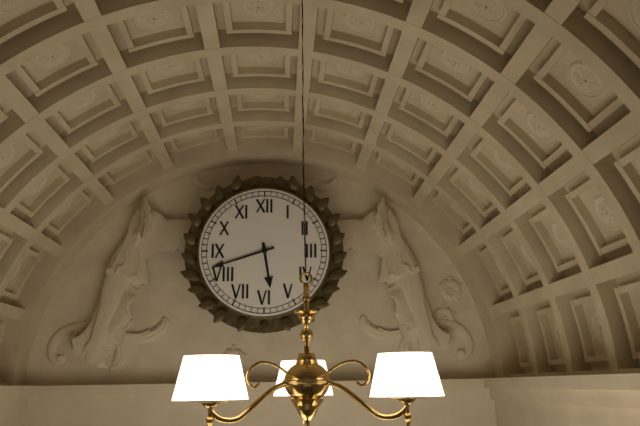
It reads 5,42
